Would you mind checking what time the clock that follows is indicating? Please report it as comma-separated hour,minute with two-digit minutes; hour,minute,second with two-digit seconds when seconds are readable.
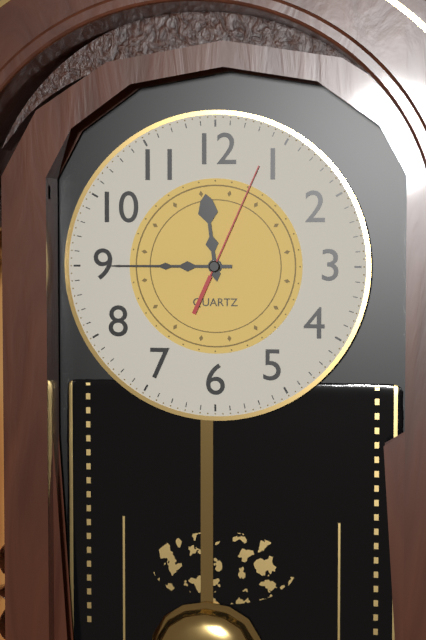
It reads 11,45,04
